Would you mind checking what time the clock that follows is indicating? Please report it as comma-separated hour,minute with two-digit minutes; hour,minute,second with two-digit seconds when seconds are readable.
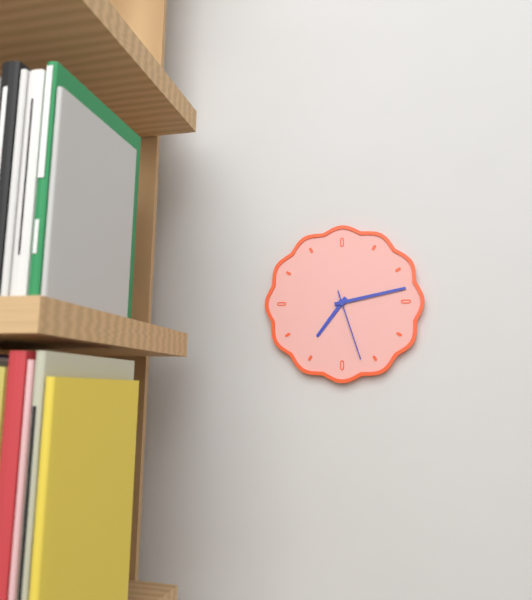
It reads 7,13,27
